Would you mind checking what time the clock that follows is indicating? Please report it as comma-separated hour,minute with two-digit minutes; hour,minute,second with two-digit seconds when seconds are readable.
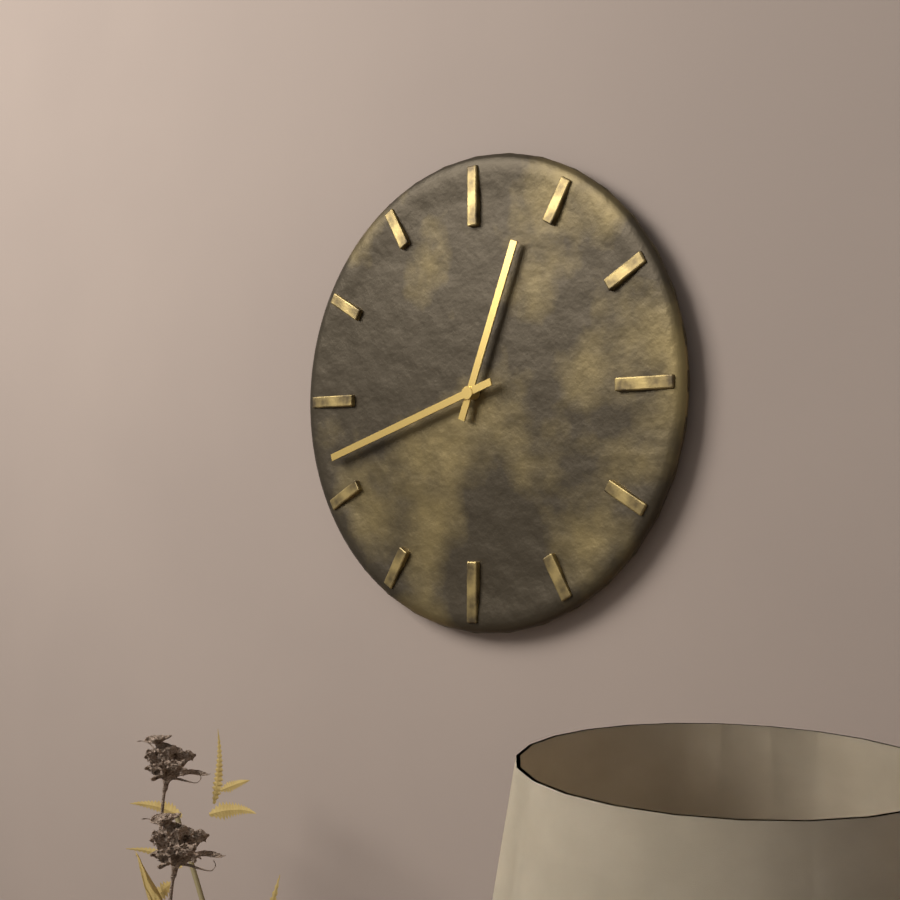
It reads 12,42
